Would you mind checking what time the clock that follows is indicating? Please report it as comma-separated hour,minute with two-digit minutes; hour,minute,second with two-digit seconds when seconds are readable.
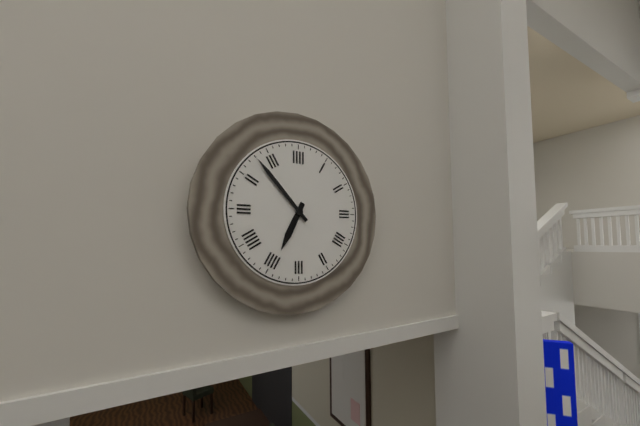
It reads 6,53
